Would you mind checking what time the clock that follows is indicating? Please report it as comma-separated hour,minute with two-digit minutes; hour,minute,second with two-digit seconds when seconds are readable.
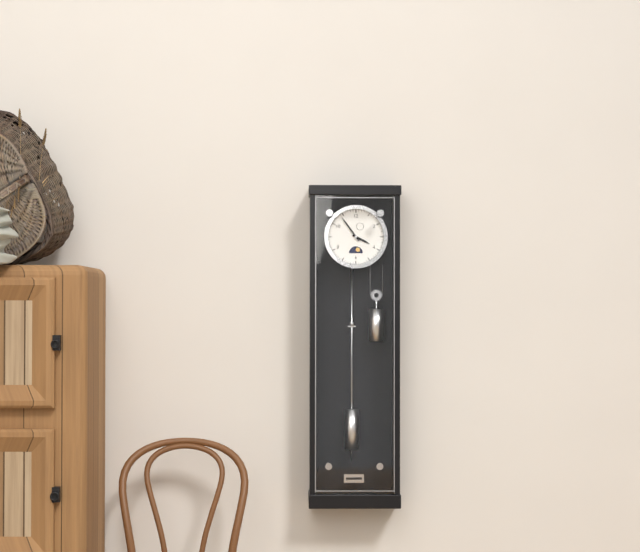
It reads 3,54
